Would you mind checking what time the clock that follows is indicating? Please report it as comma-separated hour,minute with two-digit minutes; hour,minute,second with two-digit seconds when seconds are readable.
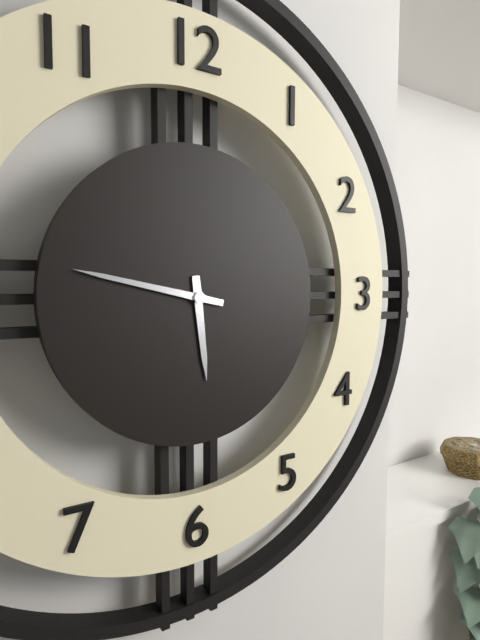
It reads 5,47
